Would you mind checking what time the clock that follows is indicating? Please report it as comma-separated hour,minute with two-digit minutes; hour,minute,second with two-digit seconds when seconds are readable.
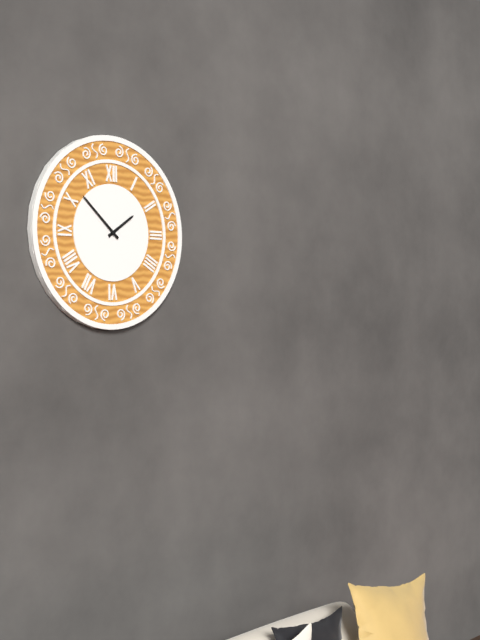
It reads 1,52
